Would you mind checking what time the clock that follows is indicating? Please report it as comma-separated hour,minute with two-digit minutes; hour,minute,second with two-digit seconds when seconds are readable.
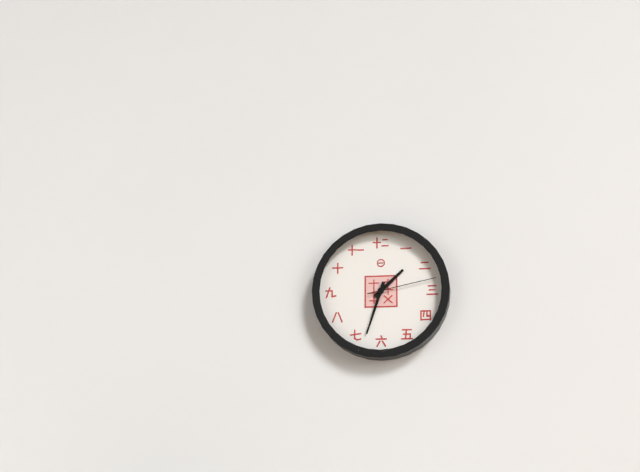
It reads 1,33,13
